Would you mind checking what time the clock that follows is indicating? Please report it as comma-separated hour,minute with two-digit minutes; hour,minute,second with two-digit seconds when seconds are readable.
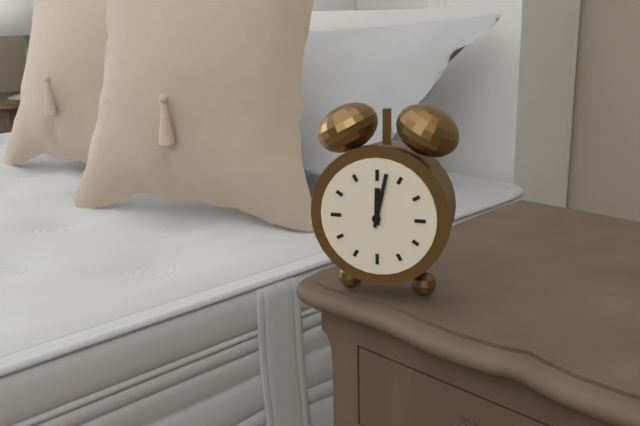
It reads 12,02
